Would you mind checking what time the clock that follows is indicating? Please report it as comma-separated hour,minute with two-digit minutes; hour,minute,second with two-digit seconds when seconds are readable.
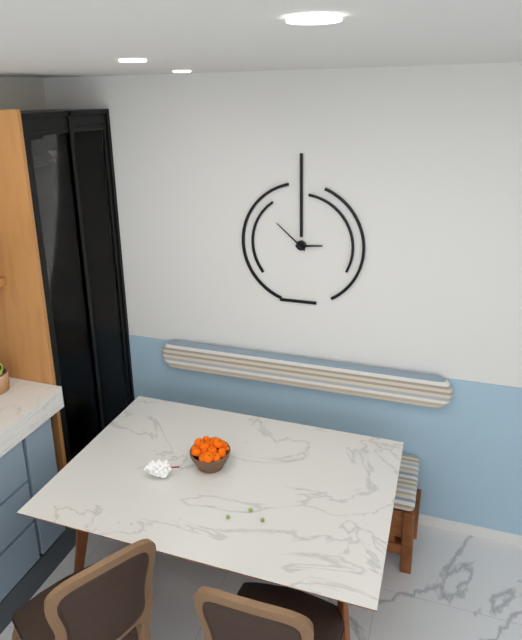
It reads 2,52
